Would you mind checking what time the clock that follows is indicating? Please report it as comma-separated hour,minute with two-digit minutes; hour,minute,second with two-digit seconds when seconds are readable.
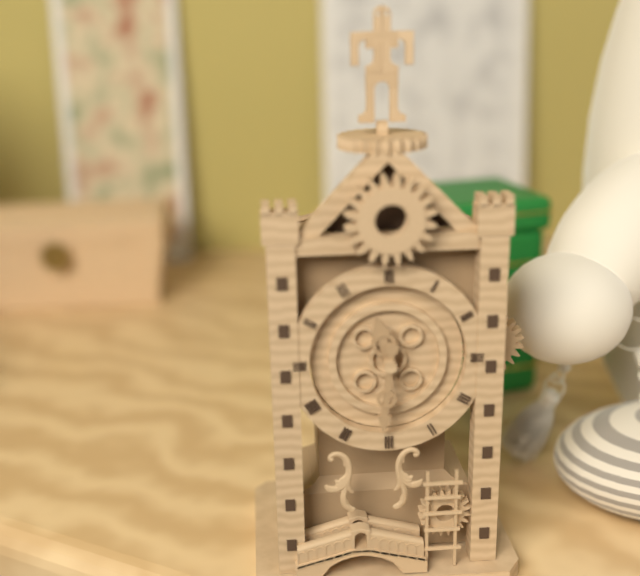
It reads 11,31
